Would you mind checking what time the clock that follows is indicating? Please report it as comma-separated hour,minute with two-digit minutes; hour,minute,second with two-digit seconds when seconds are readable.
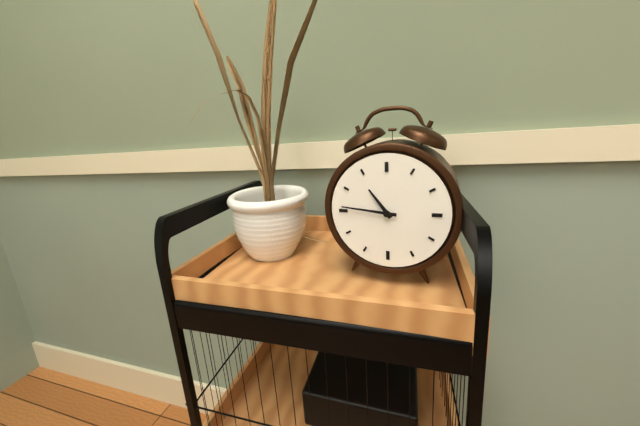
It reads 10,46
